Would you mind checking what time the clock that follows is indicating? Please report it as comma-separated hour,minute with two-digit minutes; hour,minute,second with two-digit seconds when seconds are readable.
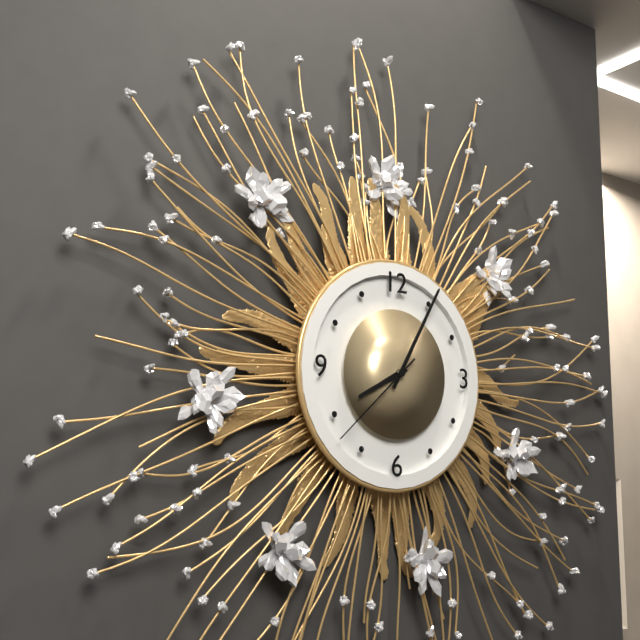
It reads 8,05,38
